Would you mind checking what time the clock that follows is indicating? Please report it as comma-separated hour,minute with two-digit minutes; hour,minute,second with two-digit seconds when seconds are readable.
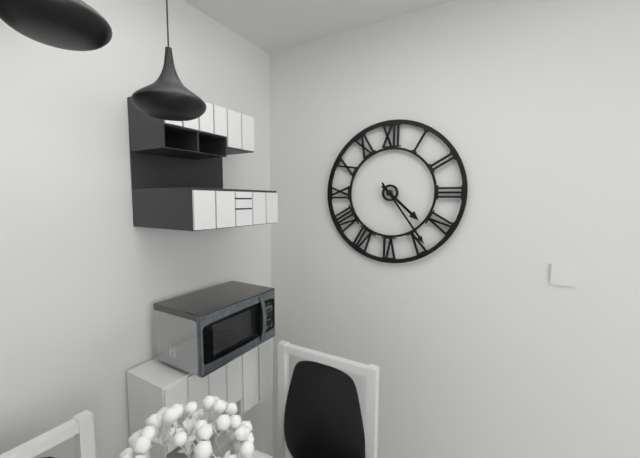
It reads 4,24
